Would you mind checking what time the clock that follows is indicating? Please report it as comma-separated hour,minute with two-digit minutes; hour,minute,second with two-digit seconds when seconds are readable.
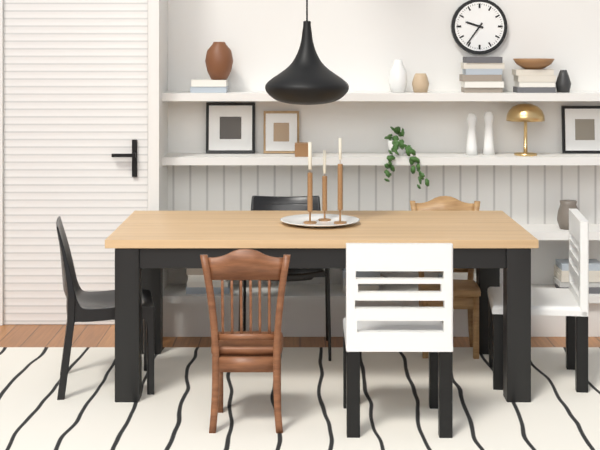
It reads 9,36
